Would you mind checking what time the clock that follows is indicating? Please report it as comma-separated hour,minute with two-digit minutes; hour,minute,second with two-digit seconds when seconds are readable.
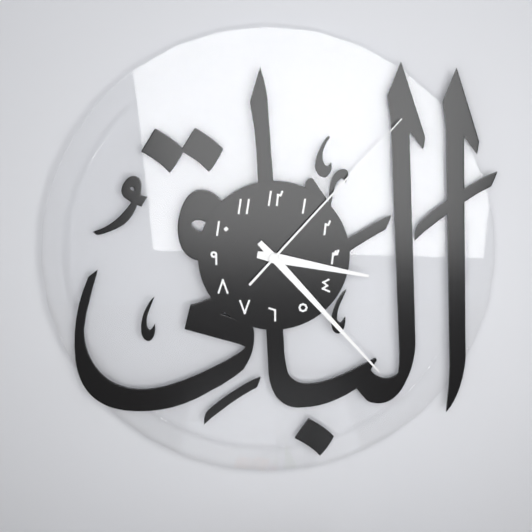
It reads 3,23,07
